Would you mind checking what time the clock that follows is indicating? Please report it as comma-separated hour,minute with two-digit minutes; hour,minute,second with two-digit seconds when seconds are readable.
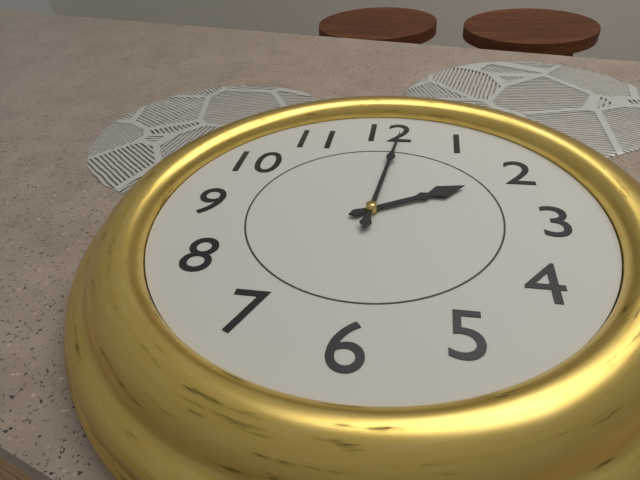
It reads 2,01
